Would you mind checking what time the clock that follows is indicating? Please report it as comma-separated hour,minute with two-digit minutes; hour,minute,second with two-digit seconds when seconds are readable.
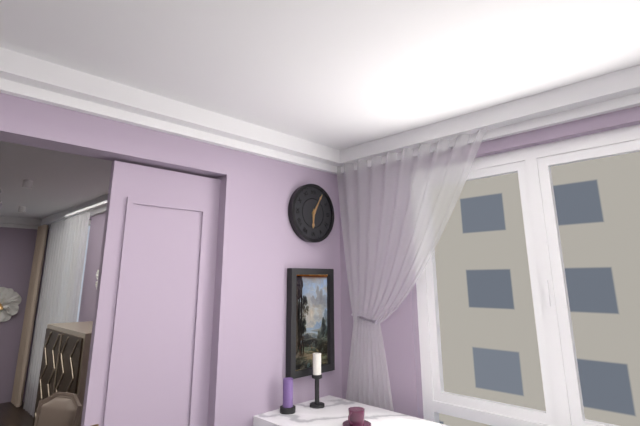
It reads 6,05
